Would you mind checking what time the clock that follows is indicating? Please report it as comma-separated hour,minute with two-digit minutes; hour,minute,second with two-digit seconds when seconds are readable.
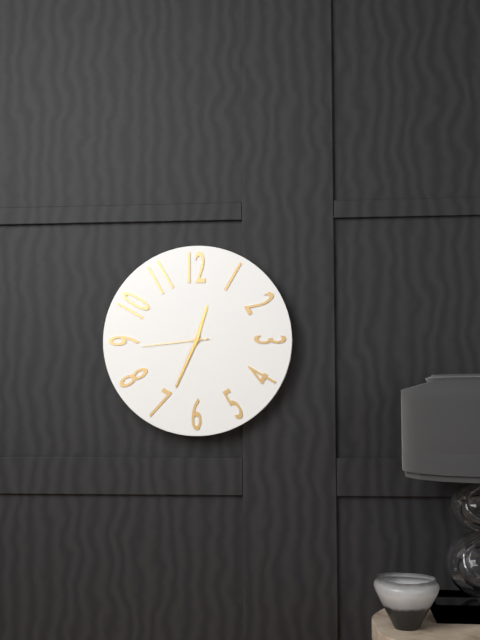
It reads 12,34,44
